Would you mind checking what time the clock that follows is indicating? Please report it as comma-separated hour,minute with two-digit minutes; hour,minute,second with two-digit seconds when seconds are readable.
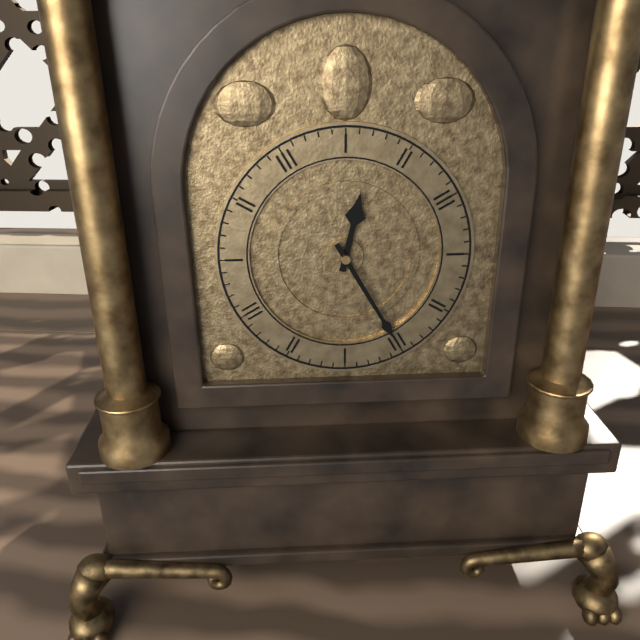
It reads 12,25
